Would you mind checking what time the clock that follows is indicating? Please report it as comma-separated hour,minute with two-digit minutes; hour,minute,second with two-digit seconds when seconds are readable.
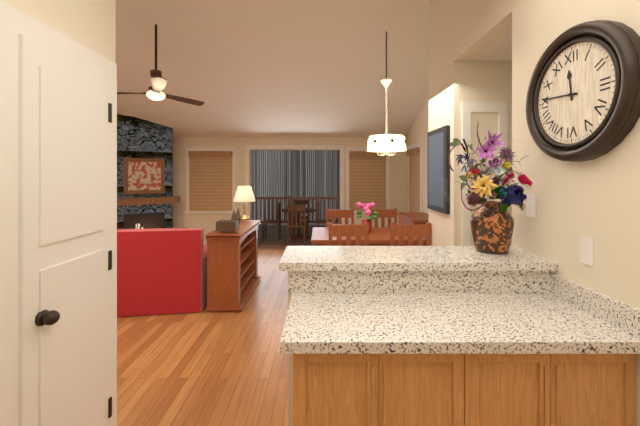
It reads 11,46
